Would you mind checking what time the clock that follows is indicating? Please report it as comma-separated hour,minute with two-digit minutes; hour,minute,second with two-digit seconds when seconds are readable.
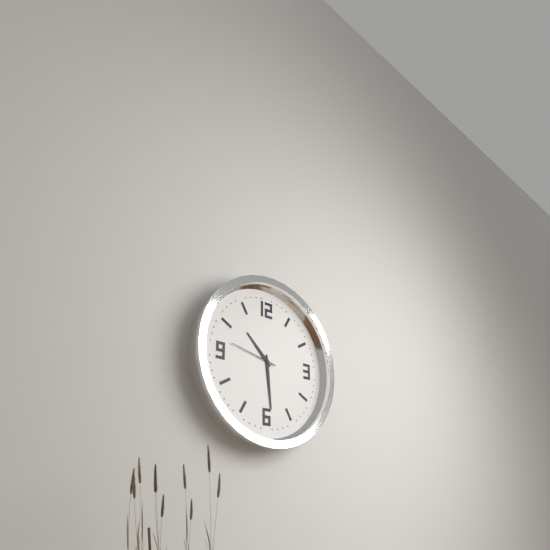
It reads 10,29
